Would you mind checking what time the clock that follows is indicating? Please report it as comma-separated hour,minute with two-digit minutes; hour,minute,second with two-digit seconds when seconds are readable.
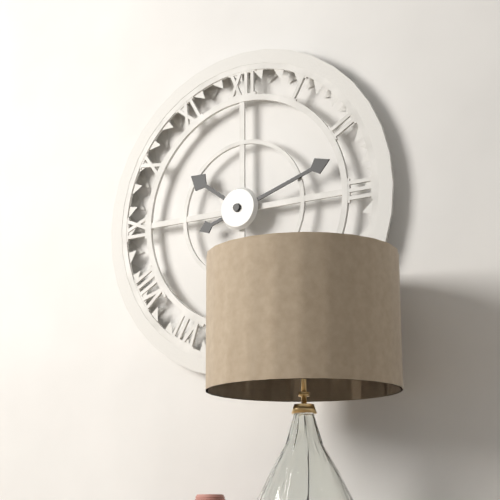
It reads 10,12
